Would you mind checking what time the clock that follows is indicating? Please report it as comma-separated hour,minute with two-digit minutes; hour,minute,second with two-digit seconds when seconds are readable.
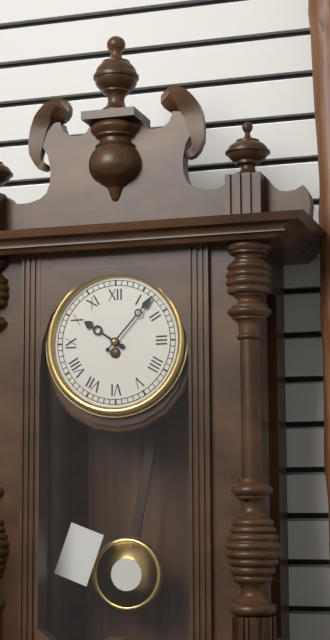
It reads 10,07
